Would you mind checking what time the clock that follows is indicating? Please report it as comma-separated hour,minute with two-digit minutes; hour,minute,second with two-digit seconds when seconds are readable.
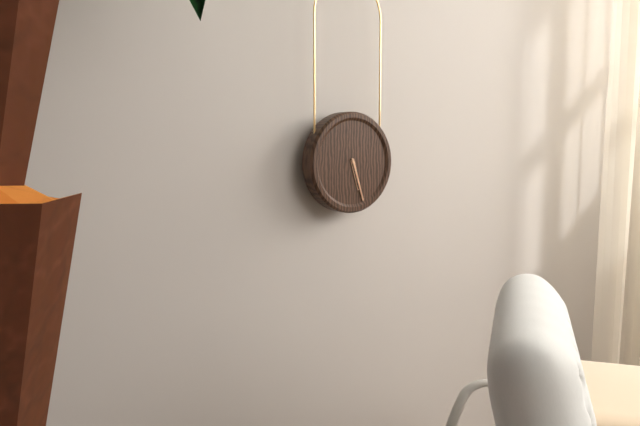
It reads 5,27
